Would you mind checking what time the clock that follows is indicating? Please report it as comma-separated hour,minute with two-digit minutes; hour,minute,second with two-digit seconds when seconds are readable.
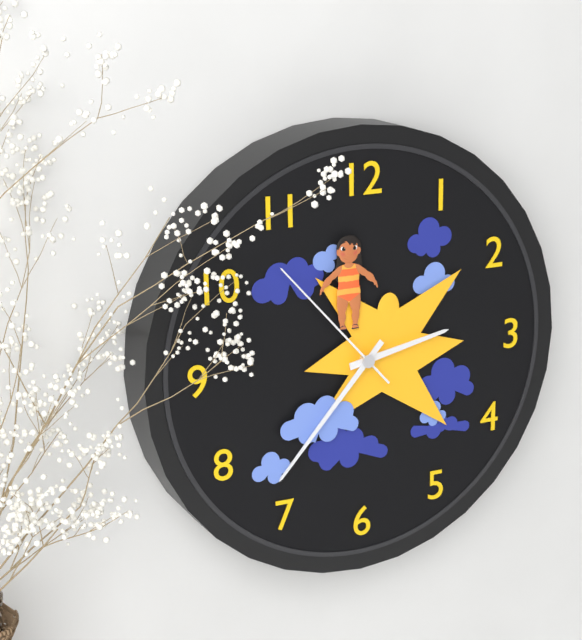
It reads 2,37,53
